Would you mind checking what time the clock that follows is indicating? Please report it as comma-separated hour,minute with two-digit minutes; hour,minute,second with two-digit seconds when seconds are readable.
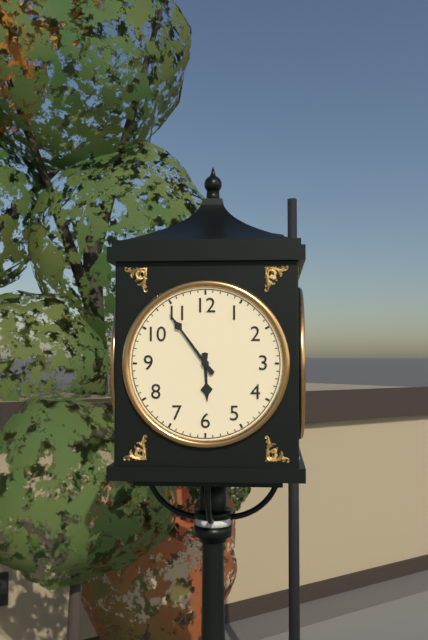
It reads 5,54
